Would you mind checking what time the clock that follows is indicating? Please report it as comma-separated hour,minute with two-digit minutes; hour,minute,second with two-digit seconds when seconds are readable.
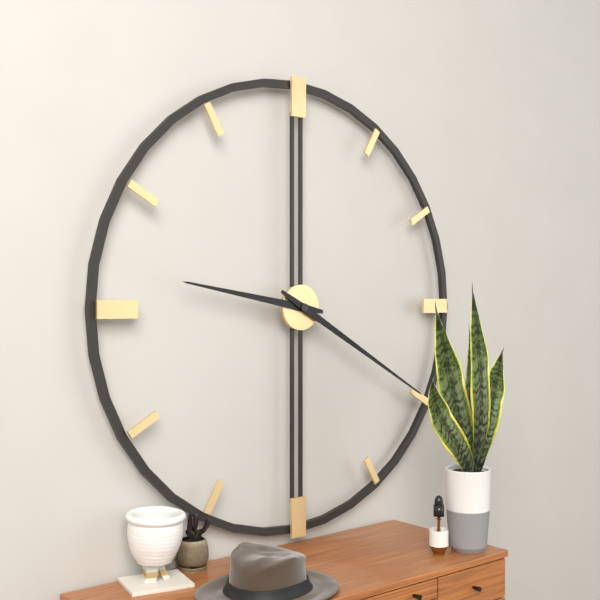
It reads 9,20
